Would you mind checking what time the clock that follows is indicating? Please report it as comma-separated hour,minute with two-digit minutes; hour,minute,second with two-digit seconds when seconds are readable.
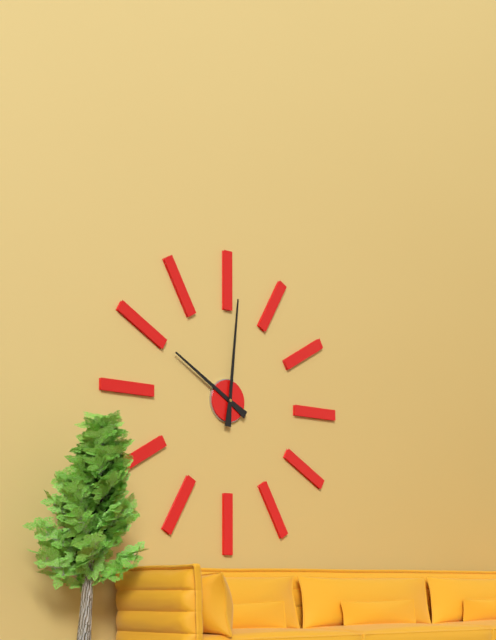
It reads 10,01
